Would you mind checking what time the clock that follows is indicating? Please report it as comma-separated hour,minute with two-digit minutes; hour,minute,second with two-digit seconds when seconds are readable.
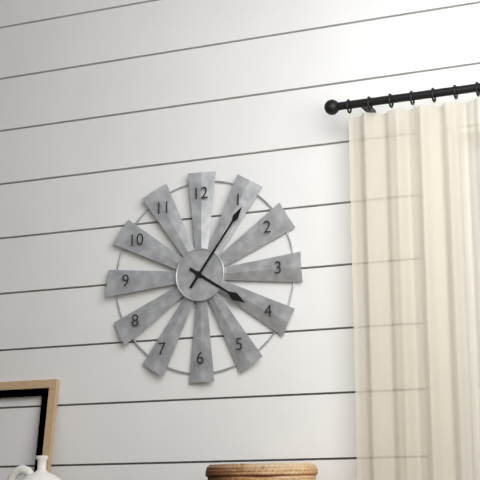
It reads 4,06
